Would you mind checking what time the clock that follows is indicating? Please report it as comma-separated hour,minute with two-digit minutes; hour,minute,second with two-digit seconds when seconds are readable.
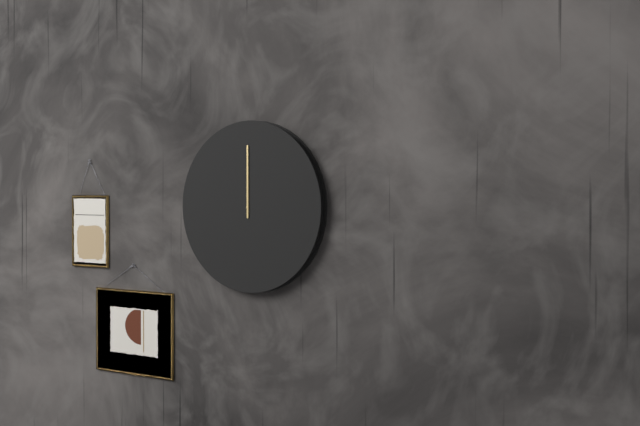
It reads 12,00
